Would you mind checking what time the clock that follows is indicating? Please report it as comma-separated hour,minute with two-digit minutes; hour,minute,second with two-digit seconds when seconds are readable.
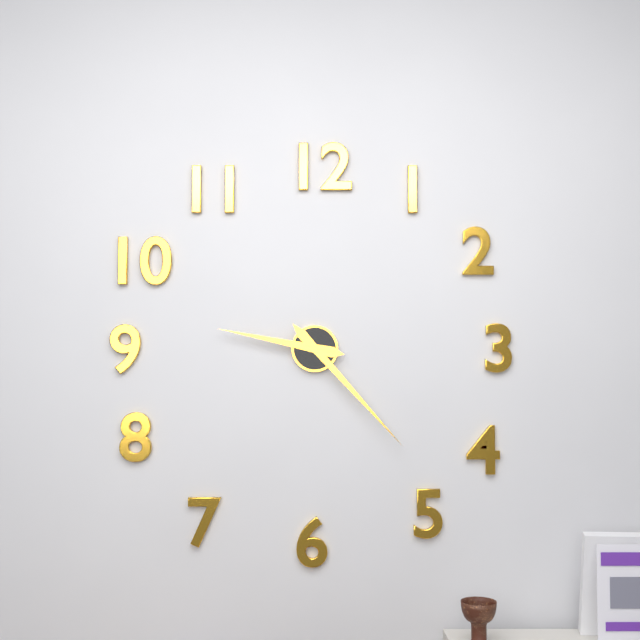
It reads 9,23
